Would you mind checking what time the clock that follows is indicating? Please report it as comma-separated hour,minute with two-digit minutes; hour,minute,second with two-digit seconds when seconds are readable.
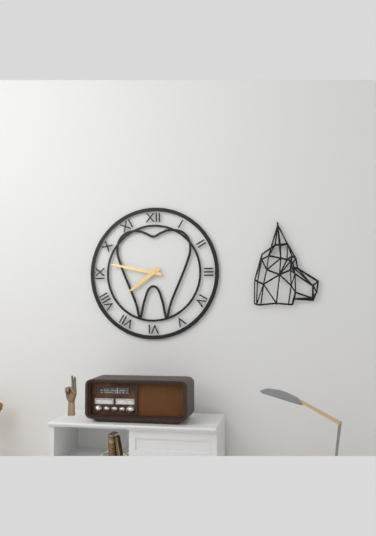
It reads 7,47
